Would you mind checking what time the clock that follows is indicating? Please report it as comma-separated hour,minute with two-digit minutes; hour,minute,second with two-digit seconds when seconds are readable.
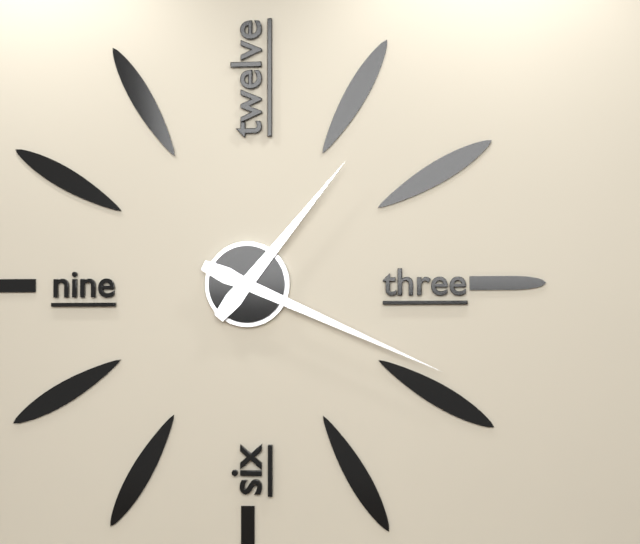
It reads 1,19
